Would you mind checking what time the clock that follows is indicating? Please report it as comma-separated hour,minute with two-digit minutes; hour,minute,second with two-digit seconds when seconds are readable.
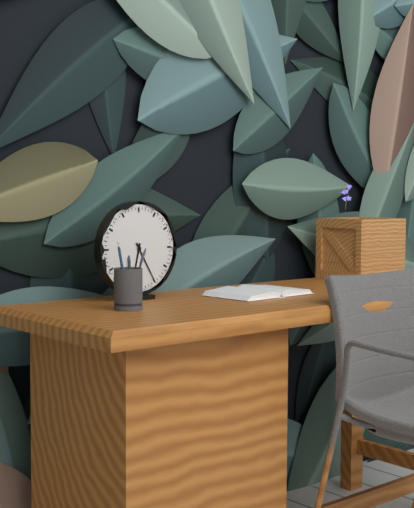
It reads 6,25
